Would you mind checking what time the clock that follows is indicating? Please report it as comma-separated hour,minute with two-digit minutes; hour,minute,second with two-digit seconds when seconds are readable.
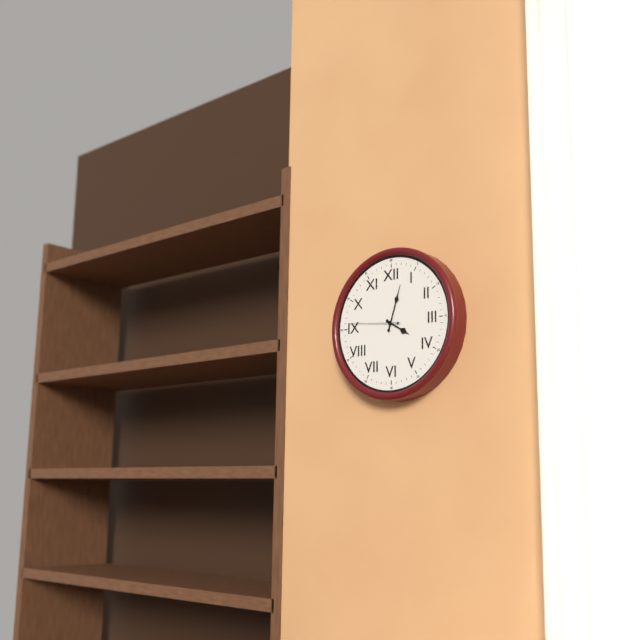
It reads 4,03,46
